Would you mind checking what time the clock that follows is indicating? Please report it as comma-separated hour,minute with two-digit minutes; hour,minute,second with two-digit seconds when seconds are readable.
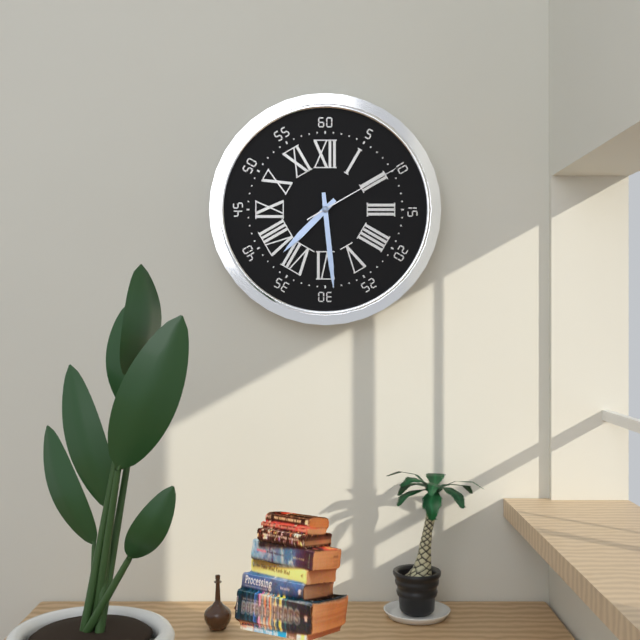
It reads 7,29,10
